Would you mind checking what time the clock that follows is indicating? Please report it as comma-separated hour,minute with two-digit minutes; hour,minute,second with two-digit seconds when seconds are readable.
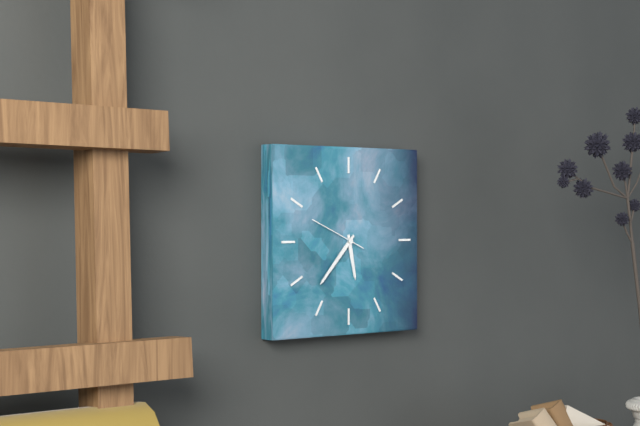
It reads 5,37,49
